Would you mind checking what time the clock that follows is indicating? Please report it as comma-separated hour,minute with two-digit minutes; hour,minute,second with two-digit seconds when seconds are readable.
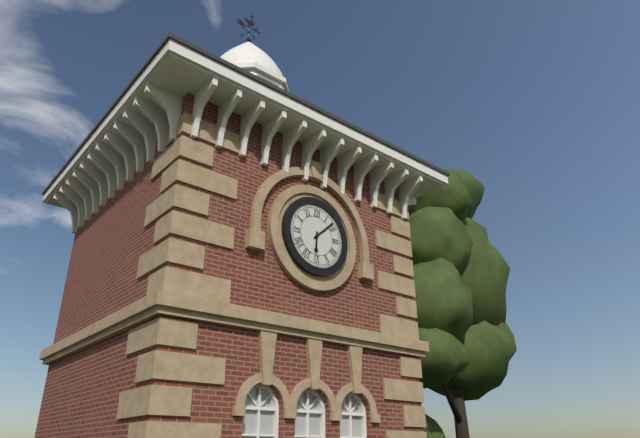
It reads 6,08
